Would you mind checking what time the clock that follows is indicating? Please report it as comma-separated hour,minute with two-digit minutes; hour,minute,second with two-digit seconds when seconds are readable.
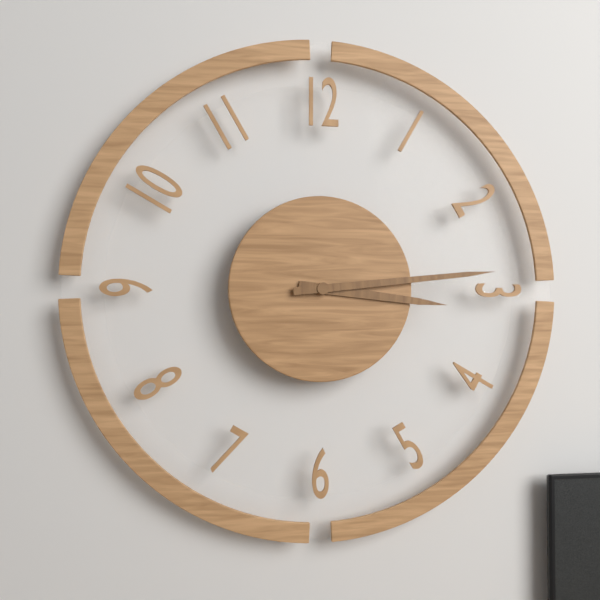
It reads 3,14
